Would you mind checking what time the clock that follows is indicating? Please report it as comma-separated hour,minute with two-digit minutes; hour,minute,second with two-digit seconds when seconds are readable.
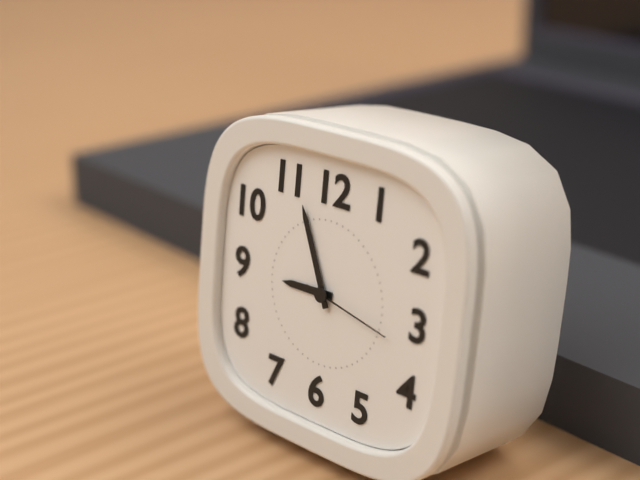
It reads 8,56,17
